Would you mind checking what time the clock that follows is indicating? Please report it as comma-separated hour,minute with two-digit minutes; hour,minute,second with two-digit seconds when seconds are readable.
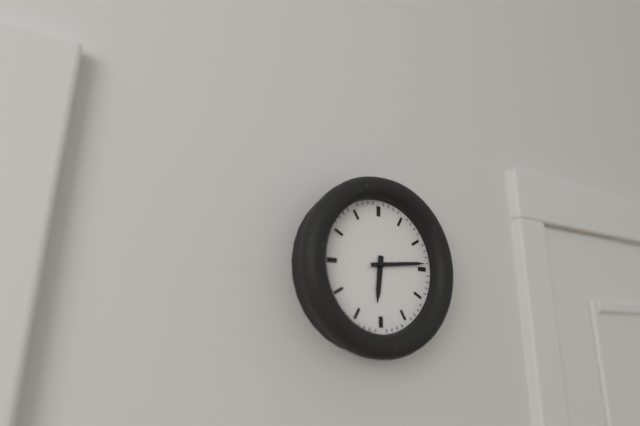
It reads 6,14
